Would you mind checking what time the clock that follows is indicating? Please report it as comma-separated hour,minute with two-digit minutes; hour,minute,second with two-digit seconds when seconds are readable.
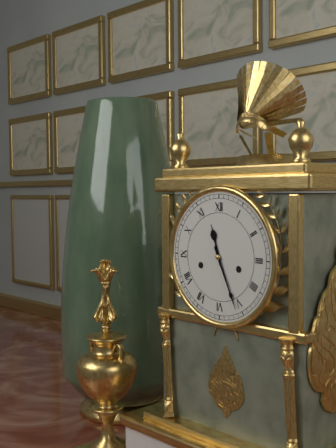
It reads 11,26
